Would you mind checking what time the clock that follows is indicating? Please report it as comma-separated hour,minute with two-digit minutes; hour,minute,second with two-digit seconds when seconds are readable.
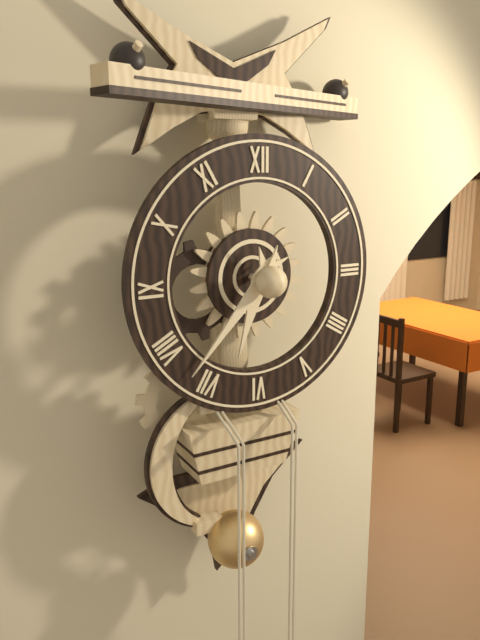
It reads 6,37
